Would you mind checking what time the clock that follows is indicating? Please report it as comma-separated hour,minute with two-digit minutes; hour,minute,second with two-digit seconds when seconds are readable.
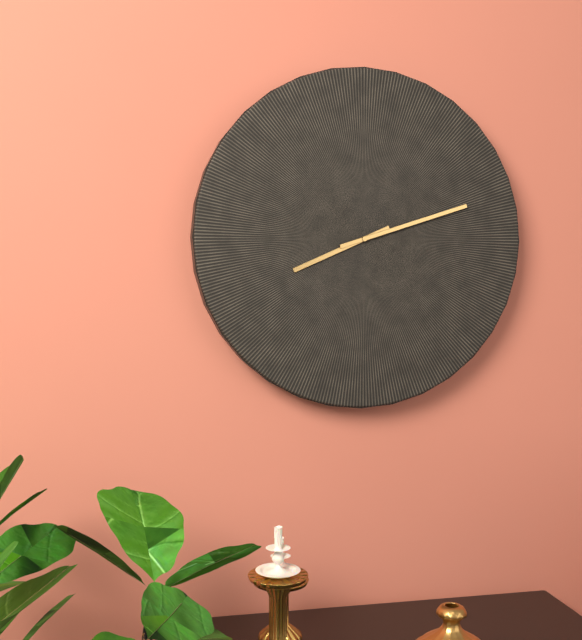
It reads 8,12
